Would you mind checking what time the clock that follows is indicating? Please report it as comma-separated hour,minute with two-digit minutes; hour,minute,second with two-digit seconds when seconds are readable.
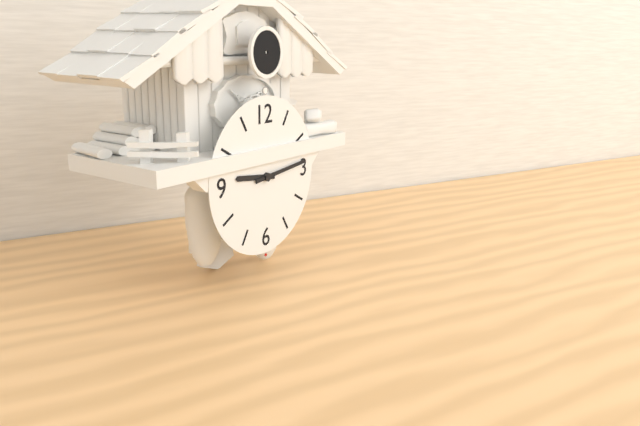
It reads 9,14
